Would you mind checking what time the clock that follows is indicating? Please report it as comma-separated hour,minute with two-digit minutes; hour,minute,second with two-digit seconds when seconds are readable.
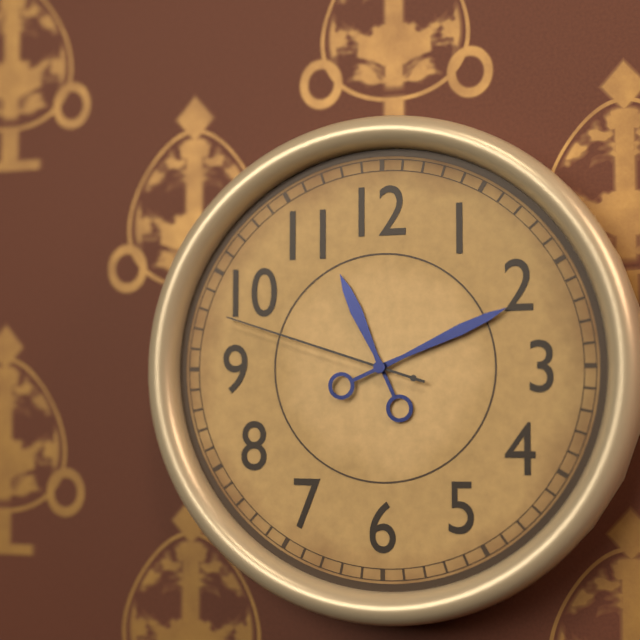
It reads 11,11,48
